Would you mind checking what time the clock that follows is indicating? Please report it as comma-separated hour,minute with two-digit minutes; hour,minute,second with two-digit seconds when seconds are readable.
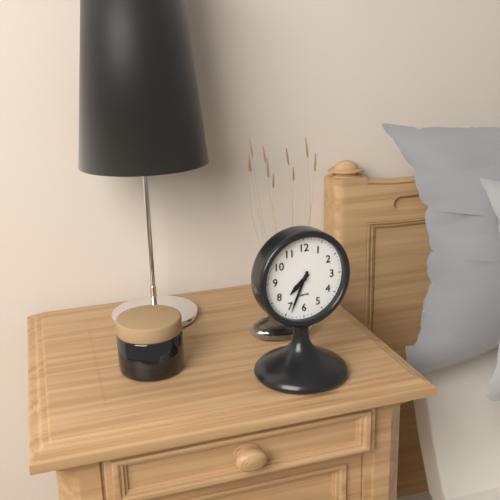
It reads 7,34
